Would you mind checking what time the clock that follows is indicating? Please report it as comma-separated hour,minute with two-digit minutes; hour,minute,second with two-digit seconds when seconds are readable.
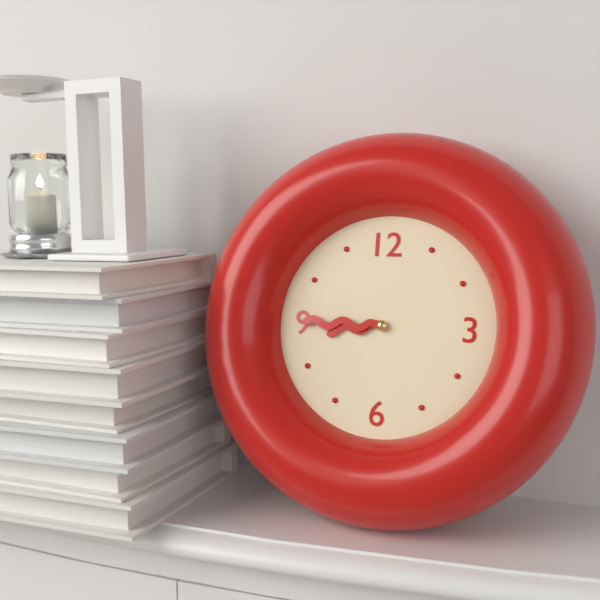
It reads 8,45
